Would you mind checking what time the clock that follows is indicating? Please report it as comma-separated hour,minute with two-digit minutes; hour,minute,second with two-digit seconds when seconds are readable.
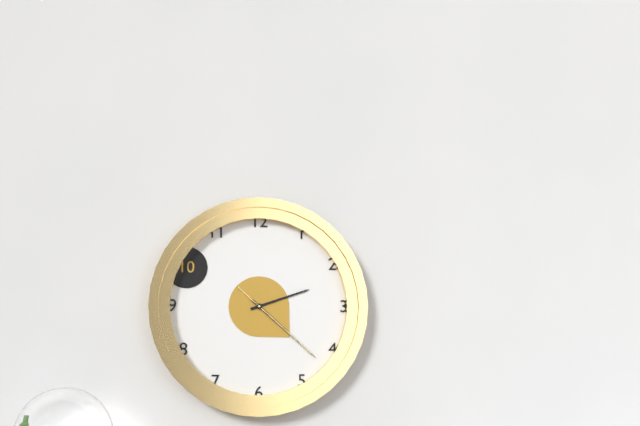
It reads 2,22,22
